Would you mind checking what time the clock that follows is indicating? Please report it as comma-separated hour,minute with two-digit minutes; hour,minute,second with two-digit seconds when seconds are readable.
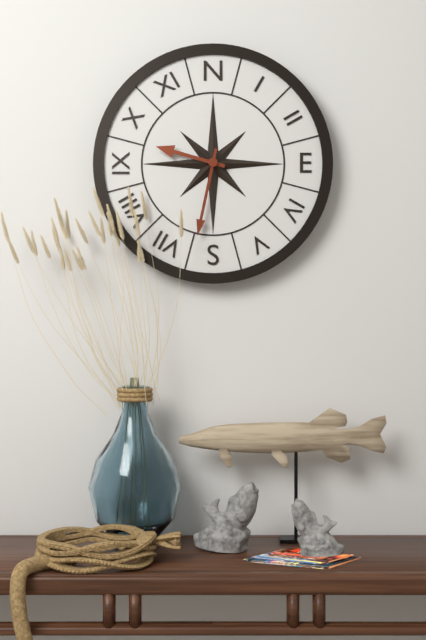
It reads 9,32
